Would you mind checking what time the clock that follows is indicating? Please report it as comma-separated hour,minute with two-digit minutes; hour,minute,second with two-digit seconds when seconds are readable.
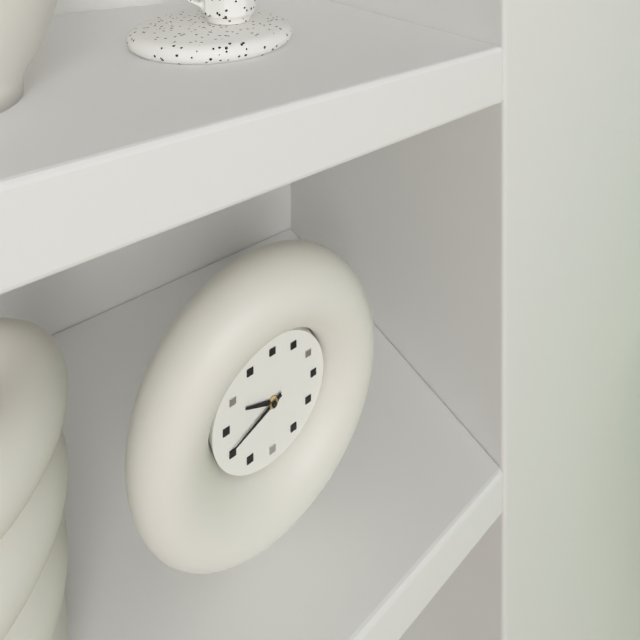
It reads 9,41
